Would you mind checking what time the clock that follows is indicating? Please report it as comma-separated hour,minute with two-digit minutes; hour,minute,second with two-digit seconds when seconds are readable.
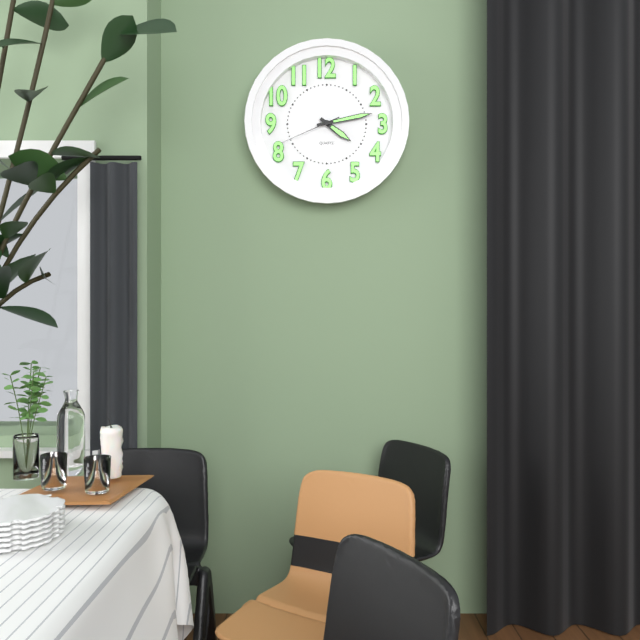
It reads 4,13,41
